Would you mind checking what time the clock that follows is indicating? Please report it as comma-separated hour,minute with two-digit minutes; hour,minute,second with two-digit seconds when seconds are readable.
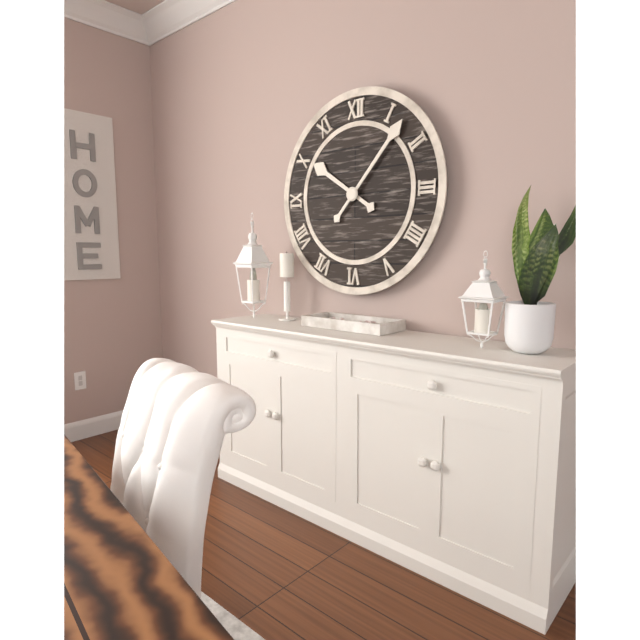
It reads 10,07
